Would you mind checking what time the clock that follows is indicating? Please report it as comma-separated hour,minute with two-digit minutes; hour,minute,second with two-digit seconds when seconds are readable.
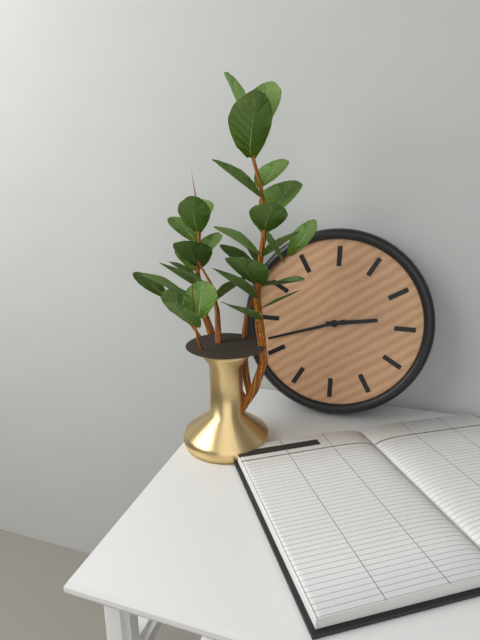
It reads 2,42
